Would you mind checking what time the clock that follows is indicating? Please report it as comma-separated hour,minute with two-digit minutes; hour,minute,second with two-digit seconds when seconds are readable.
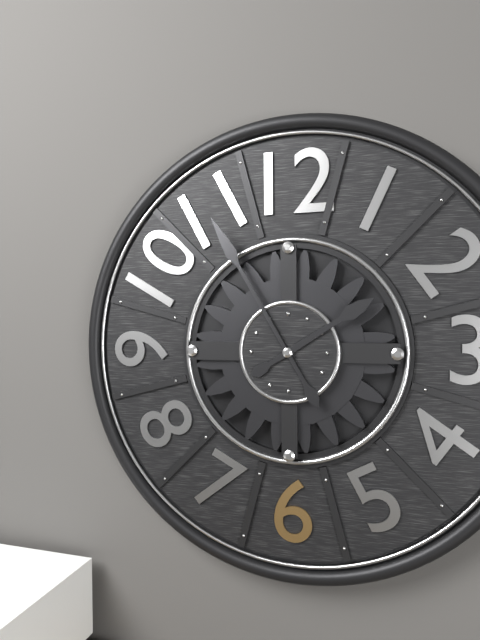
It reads 1,55
